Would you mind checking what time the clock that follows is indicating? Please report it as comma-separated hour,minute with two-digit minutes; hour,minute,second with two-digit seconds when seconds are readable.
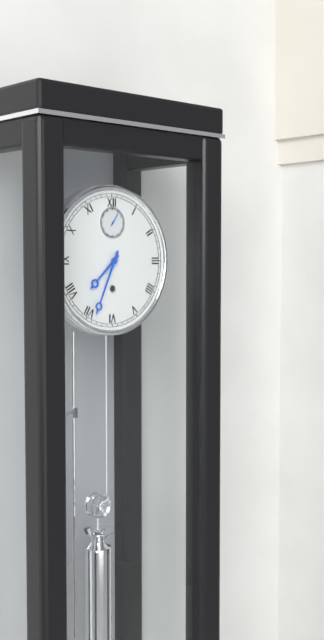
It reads 7,34
